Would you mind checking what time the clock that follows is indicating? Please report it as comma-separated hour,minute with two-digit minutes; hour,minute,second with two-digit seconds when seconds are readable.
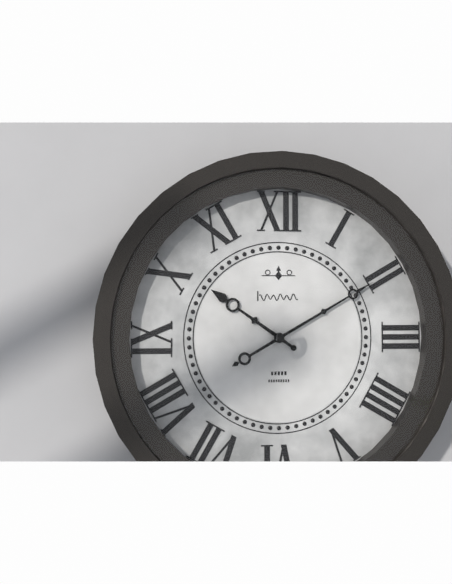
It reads 10,10
